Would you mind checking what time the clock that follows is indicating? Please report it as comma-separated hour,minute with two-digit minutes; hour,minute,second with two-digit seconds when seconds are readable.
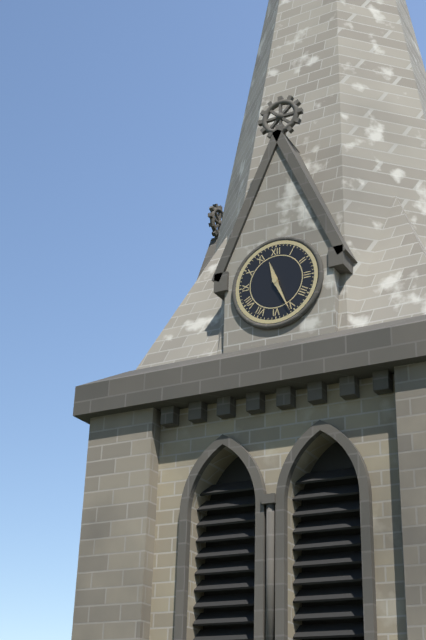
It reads 11,26
